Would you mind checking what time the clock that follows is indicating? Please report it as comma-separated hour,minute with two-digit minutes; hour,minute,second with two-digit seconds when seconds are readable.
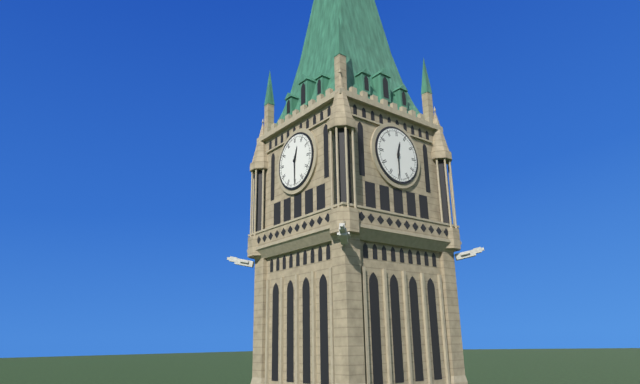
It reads 12,30
